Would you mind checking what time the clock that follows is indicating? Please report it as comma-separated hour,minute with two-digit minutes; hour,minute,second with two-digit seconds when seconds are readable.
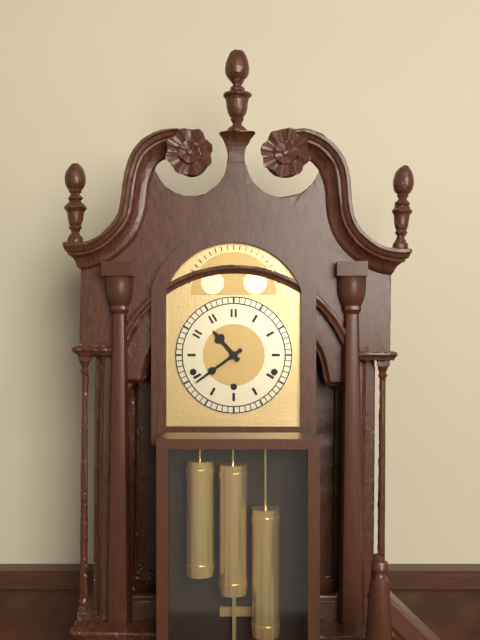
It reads 10,39
